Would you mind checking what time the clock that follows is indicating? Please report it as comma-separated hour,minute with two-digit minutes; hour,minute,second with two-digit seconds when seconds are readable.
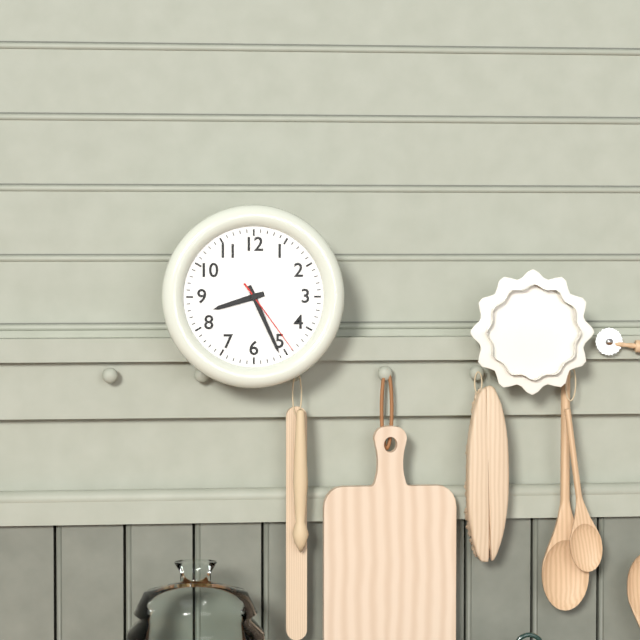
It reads 8,26,24
